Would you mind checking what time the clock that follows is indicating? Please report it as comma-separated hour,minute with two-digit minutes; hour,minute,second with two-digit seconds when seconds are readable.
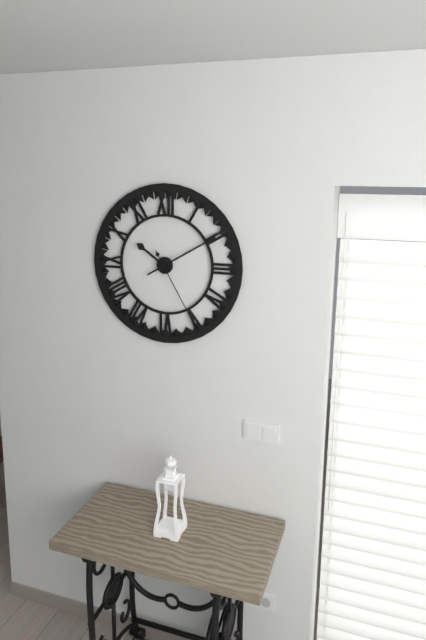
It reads 10,10,25
